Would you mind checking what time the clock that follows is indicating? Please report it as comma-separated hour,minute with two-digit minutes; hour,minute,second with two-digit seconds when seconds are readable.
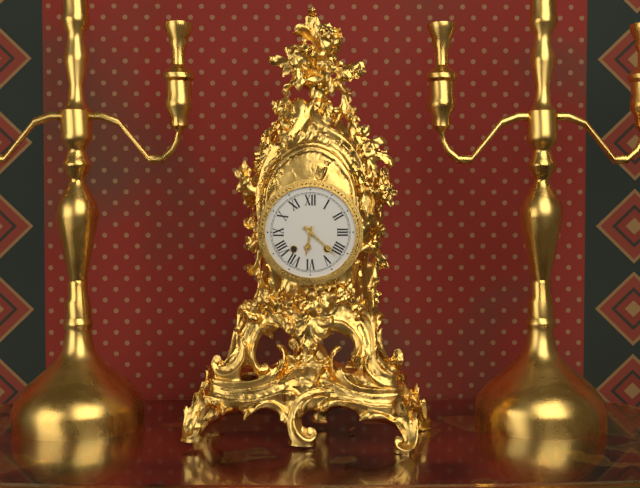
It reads 6,22
